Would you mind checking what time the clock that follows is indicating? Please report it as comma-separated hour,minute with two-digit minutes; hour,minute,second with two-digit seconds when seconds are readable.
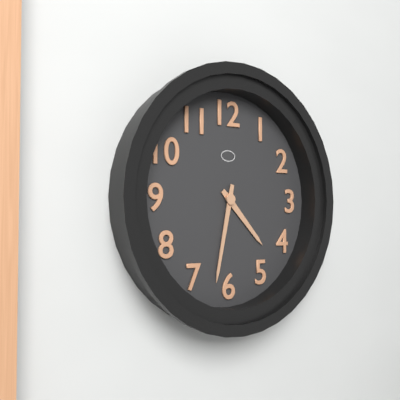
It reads 4,32
